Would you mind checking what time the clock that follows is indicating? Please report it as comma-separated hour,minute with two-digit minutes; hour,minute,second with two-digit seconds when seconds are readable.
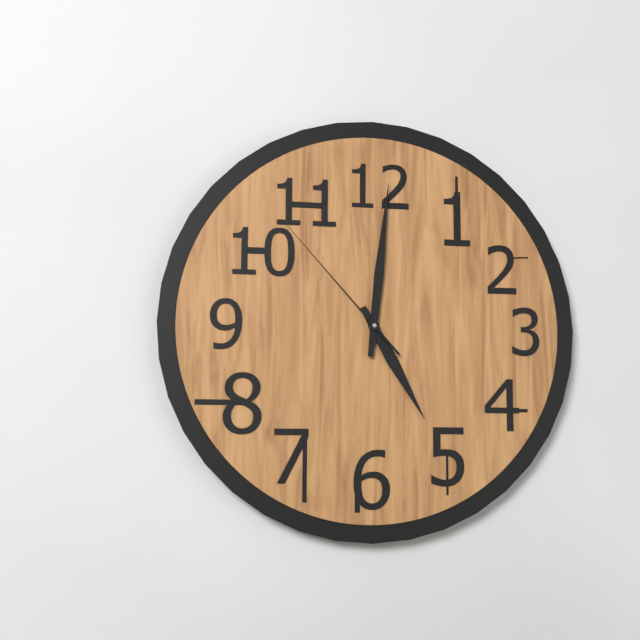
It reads 5,01,53
